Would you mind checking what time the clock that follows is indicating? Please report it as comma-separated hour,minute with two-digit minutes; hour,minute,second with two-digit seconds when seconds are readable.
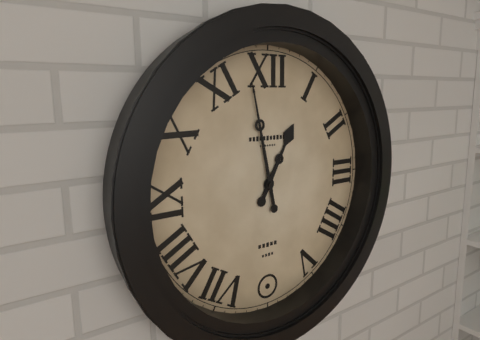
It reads 12,58
